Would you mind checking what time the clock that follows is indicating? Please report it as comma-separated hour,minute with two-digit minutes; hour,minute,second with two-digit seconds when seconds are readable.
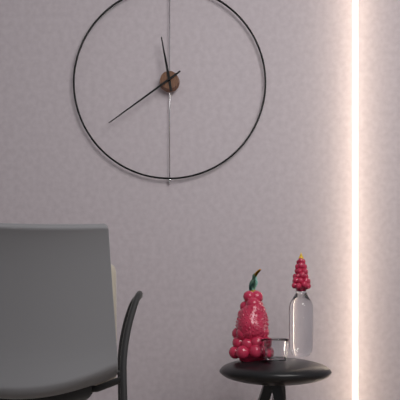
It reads 11,39
